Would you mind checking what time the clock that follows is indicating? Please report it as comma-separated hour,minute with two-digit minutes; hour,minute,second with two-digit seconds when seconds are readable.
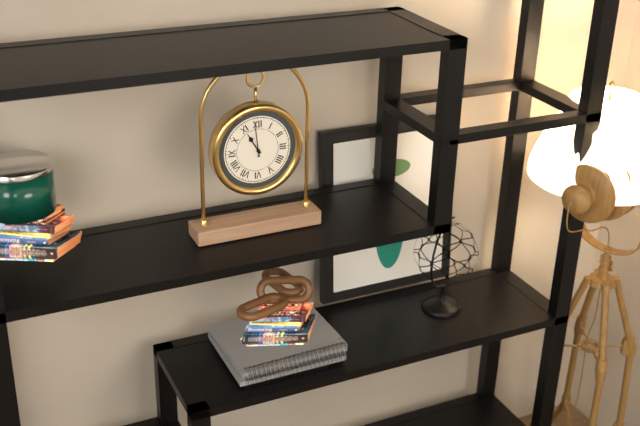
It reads 10,59
